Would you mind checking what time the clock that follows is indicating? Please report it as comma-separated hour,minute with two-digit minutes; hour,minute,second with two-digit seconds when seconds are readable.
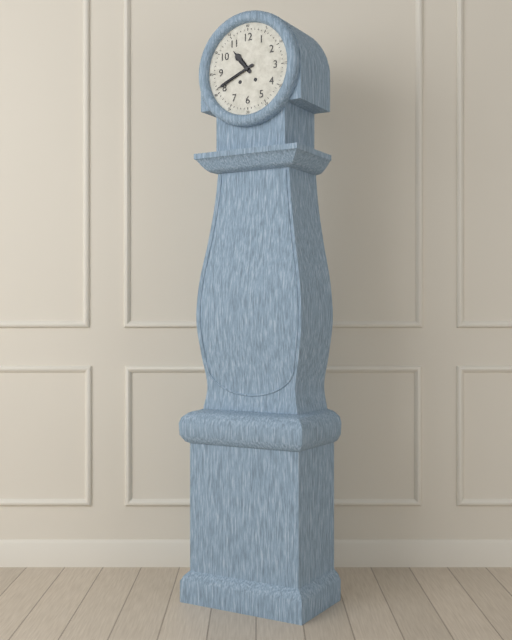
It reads 10,41
